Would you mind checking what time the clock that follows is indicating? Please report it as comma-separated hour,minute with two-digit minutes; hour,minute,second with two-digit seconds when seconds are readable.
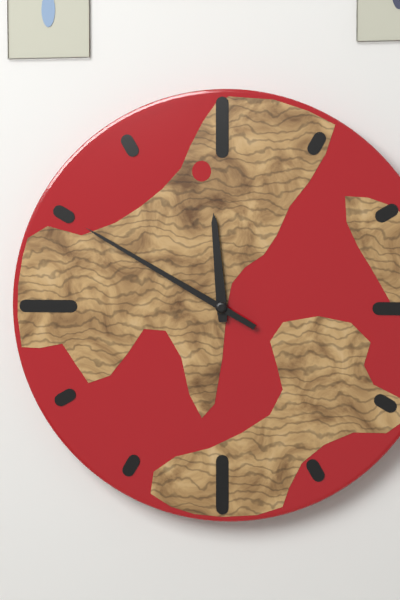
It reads 11,50
